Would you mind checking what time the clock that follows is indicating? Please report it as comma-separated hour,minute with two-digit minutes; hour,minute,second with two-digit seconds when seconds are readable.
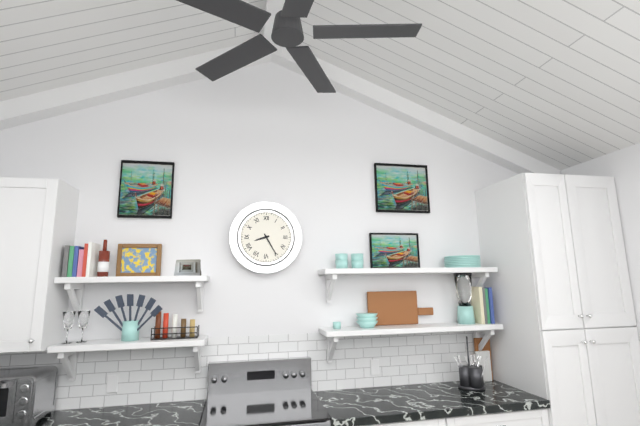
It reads 8,25
